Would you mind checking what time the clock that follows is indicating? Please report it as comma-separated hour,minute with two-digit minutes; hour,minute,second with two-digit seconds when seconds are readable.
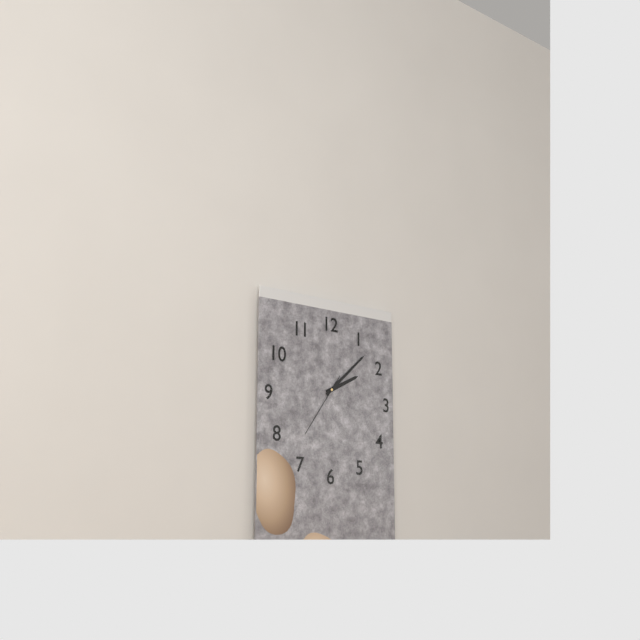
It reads 2,08,36
